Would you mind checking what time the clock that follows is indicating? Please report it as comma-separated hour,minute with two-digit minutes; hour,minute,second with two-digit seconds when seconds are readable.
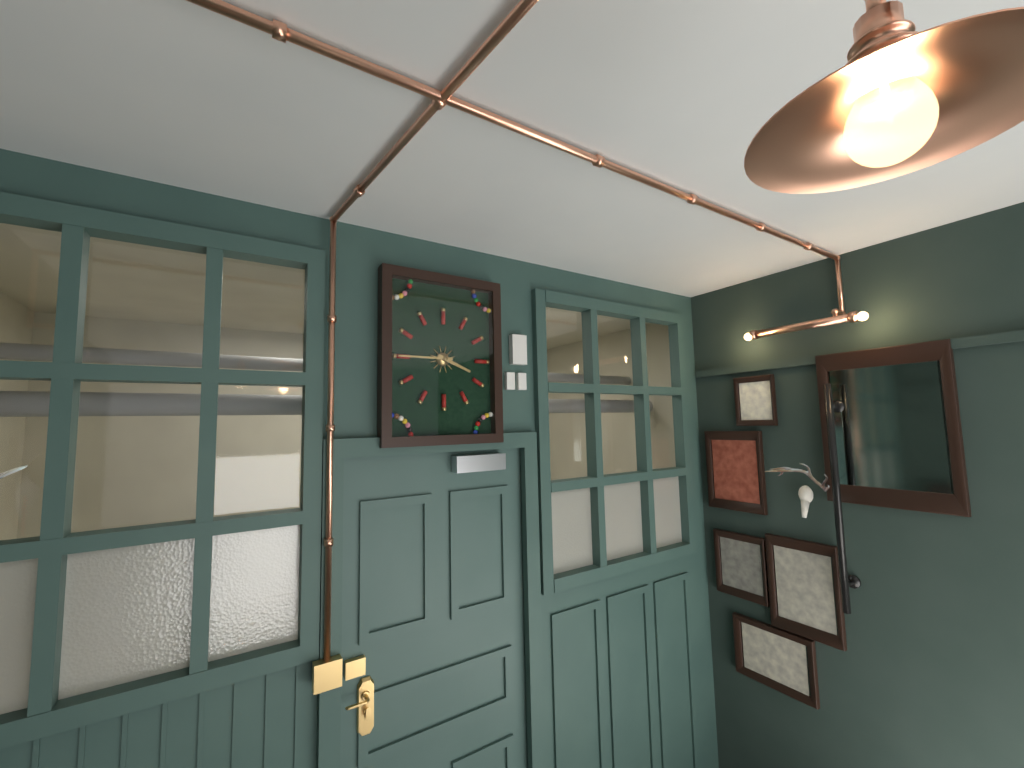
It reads 3,45
